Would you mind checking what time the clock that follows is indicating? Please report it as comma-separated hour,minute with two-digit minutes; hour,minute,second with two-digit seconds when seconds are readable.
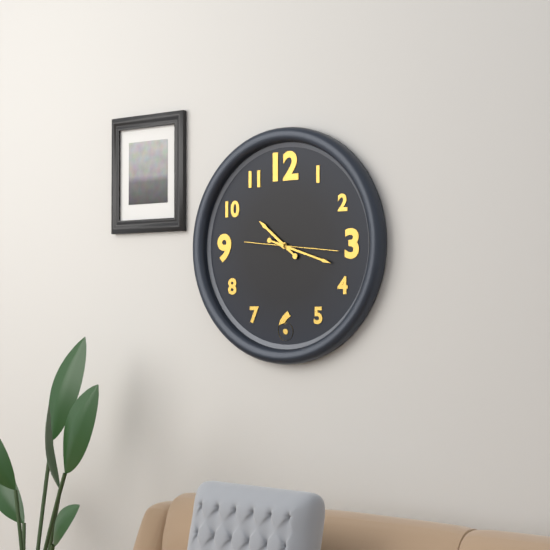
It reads 10,18,16
